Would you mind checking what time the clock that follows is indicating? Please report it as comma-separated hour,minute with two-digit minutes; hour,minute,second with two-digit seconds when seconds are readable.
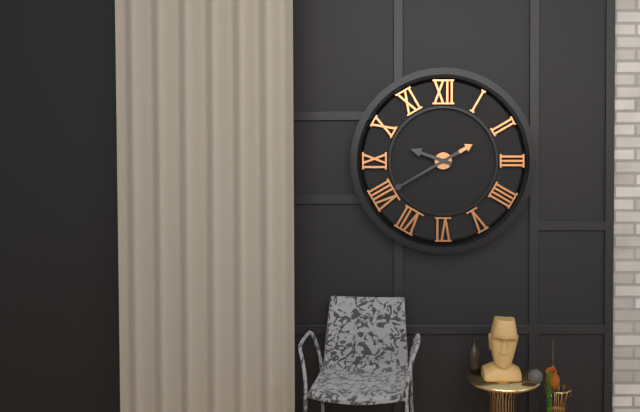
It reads 9,40
